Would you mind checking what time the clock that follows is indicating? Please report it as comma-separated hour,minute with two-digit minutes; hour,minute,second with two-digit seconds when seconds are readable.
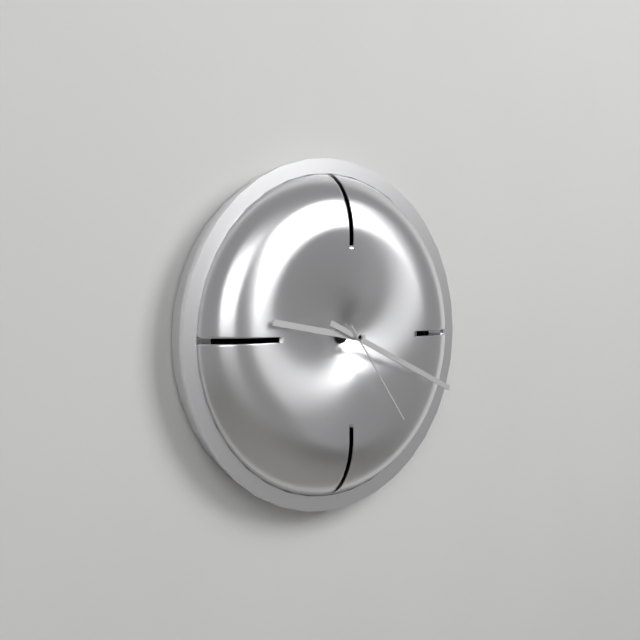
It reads 9,19,24
